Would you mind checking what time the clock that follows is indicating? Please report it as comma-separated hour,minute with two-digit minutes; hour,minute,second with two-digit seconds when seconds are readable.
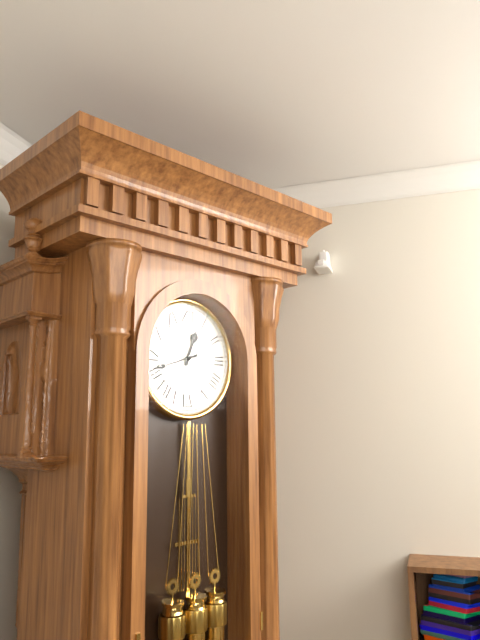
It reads 12,42
